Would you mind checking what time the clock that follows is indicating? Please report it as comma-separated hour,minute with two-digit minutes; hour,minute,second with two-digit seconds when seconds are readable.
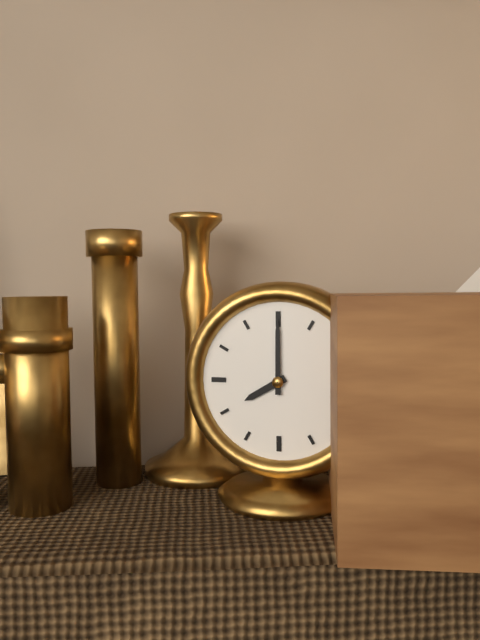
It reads 8,00
